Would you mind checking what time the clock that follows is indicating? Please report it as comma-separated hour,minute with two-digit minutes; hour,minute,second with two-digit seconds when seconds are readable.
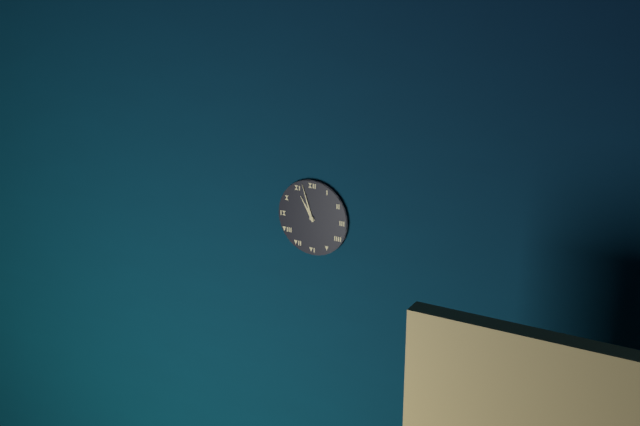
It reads 10,57
